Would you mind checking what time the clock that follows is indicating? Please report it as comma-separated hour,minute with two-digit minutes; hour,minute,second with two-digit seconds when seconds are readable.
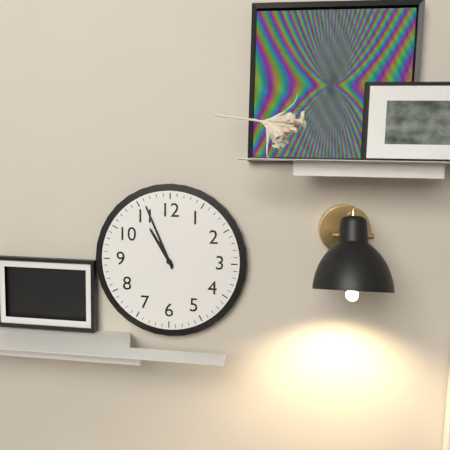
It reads 10,56
